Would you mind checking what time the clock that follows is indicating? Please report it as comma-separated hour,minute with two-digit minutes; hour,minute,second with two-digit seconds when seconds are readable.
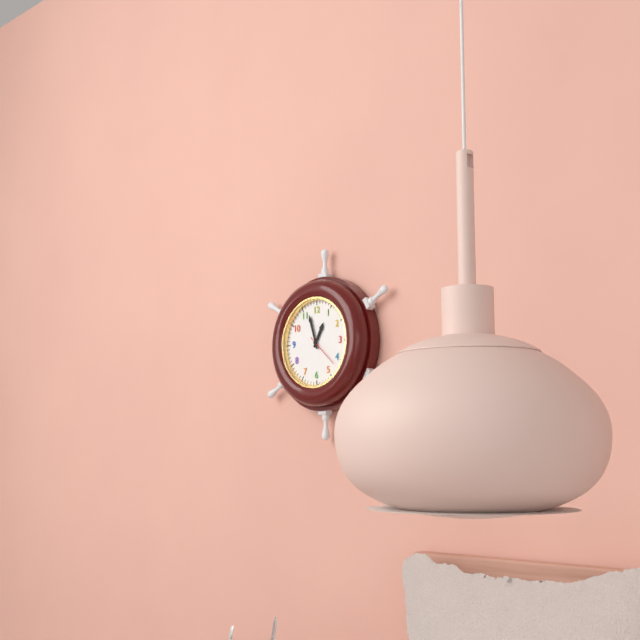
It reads 12,57
